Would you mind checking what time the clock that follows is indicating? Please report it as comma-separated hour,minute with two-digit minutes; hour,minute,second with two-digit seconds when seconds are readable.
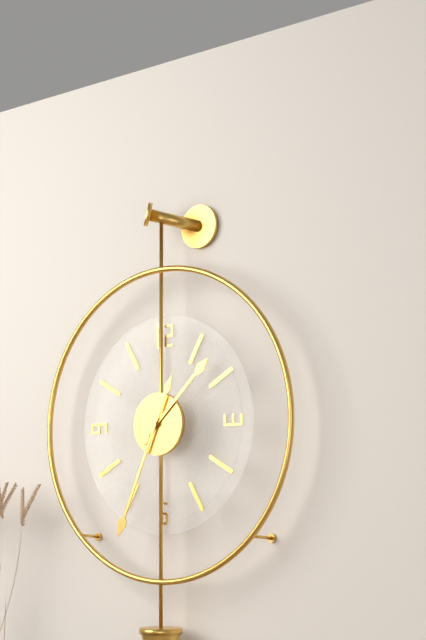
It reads 1,34
